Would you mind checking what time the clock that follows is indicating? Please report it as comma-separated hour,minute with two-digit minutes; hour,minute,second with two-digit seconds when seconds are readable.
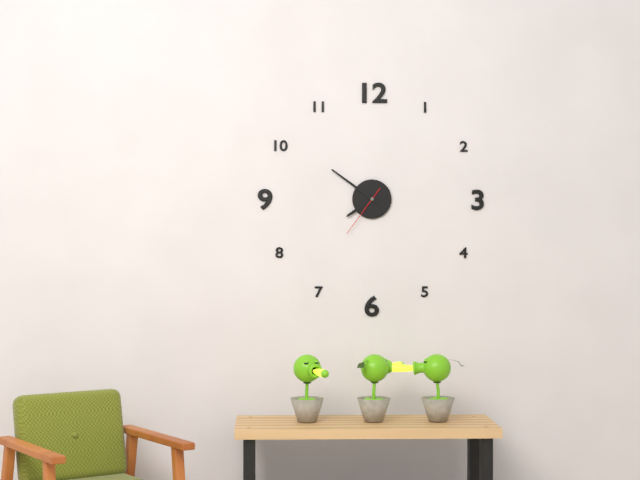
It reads 7,51,36
